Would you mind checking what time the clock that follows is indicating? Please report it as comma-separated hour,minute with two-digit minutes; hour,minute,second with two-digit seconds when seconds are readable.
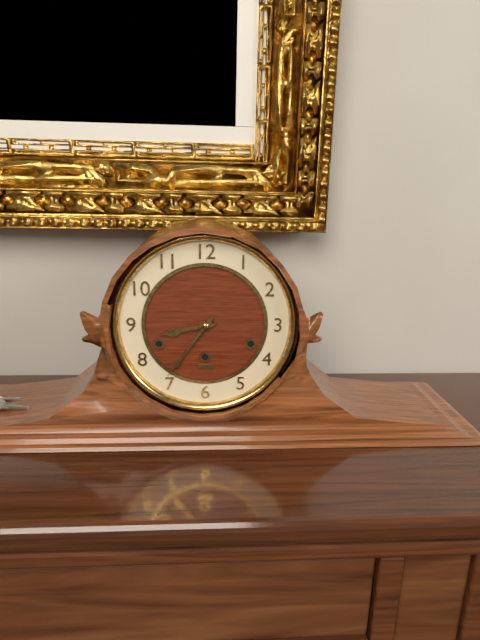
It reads 8,36
